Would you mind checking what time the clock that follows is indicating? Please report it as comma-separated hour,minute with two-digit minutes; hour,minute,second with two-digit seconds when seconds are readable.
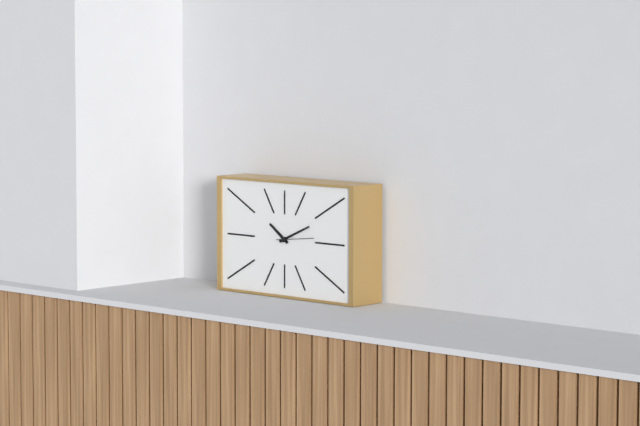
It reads 10,11
